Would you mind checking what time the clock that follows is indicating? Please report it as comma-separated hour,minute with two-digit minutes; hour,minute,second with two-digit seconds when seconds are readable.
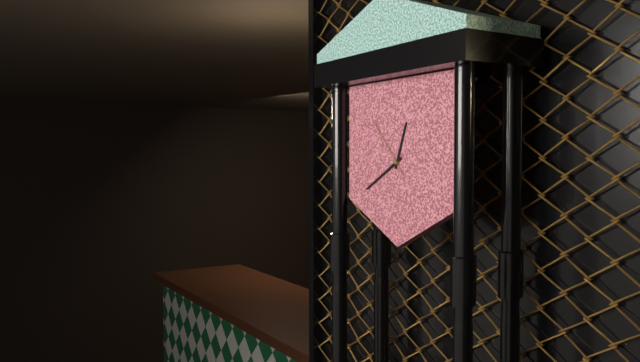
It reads 12,40,53
